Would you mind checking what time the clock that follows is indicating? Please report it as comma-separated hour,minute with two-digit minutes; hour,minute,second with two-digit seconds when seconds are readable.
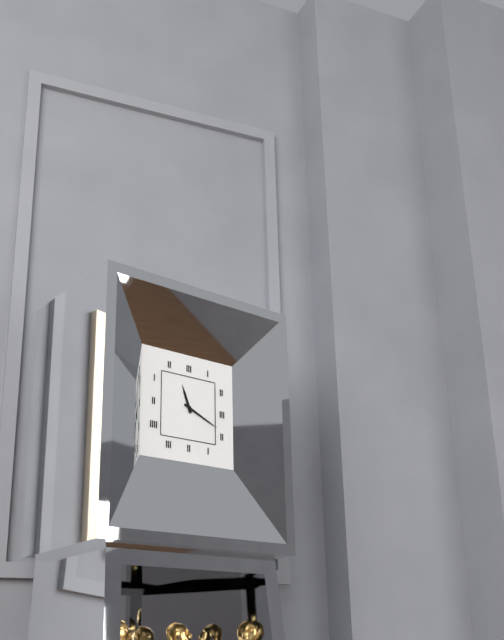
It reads 11,19
